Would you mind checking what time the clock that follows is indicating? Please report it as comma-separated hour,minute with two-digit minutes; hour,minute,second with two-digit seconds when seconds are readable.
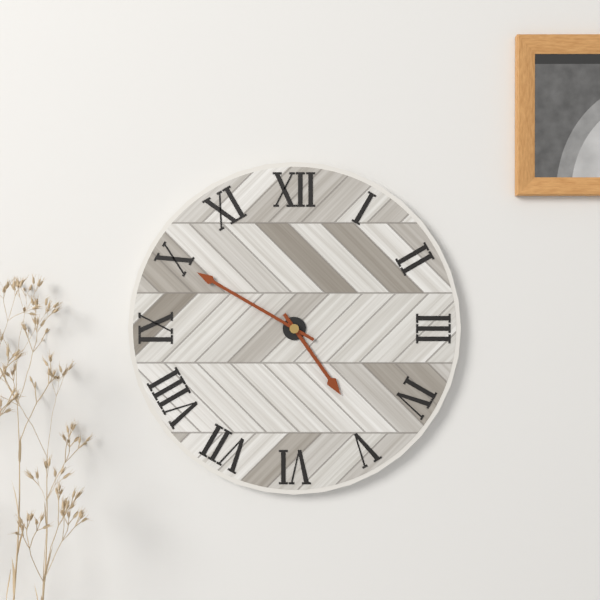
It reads 4,50
